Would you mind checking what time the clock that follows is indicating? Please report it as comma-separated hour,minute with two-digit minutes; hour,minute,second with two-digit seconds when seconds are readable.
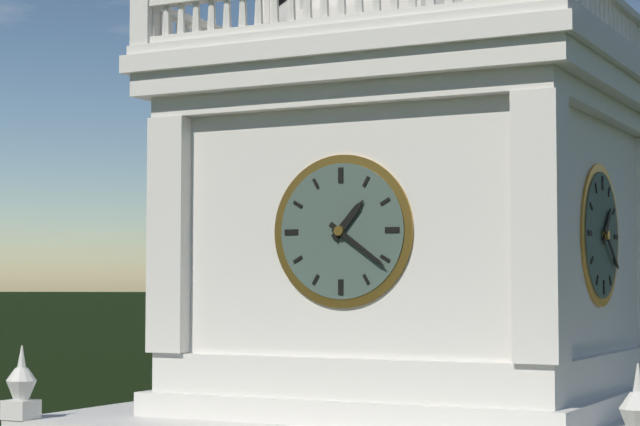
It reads 1,21
